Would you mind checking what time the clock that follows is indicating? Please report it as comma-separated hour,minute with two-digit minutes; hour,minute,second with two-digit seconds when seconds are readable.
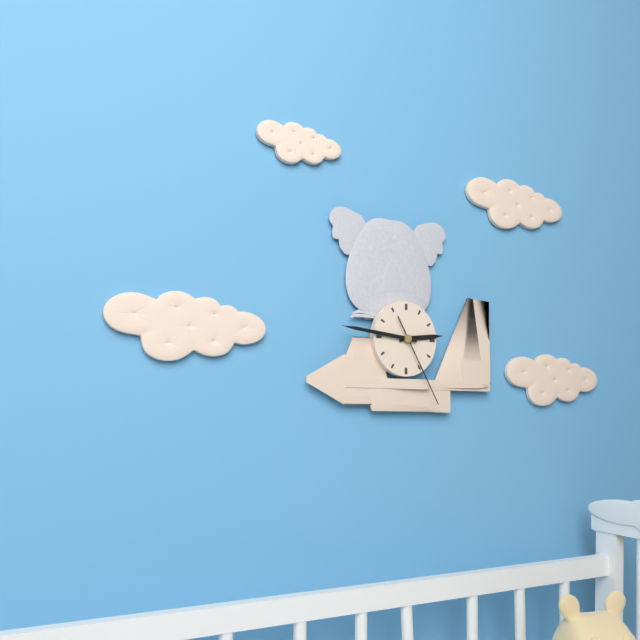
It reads 2,46,25
